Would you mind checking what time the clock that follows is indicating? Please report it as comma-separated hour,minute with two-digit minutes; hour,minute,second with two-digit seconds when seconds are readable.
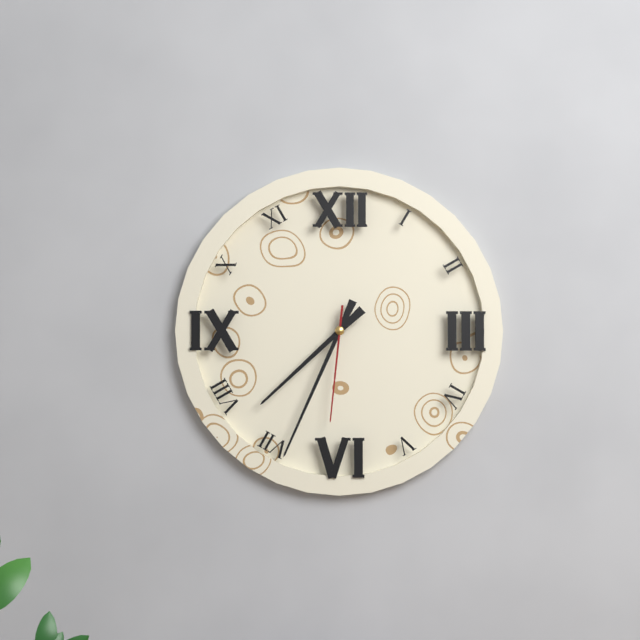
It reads 7,34,31
